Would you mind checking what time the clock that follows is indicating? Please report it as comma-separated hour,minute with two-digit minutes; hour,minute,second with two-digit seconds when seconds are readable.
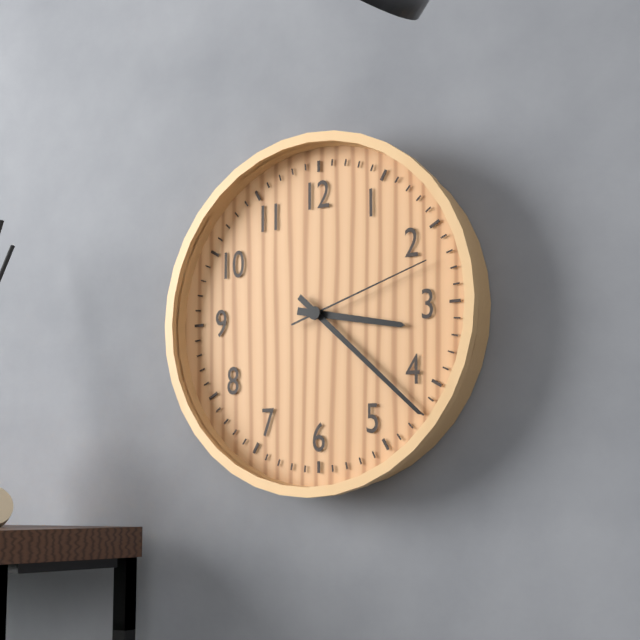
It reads 3,22,12
